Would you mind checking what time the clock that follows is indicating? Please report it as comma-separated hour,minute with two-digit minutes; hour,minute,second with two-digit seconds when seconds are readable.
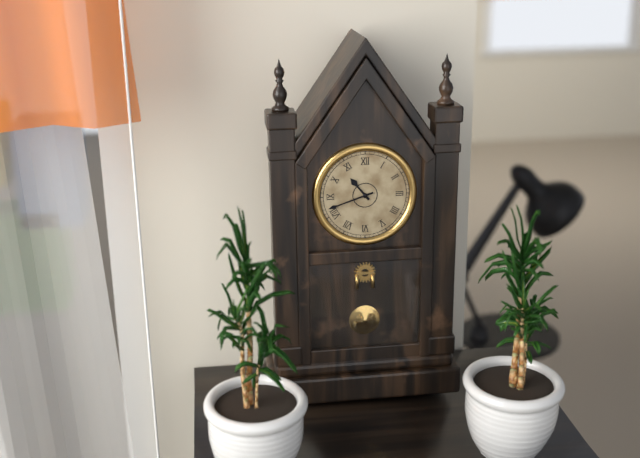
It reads 10,42
